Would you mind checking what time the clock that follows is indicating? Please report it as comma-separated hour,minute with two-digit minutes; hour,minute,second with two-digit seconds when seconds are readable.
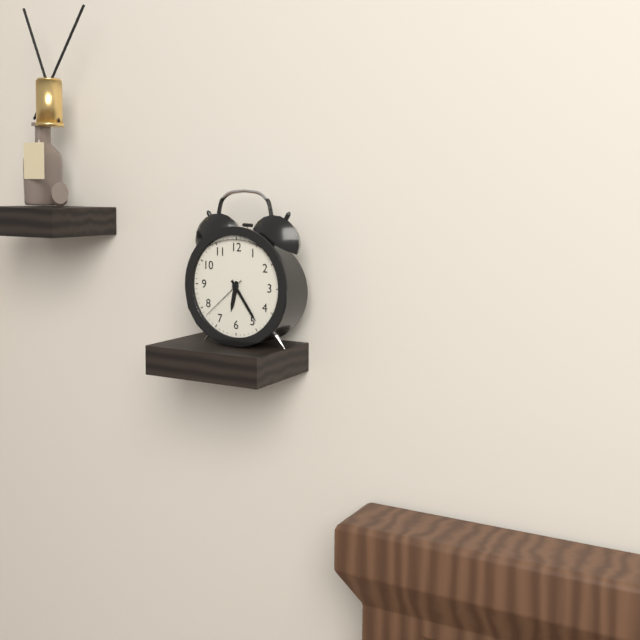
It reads 6,24,38
